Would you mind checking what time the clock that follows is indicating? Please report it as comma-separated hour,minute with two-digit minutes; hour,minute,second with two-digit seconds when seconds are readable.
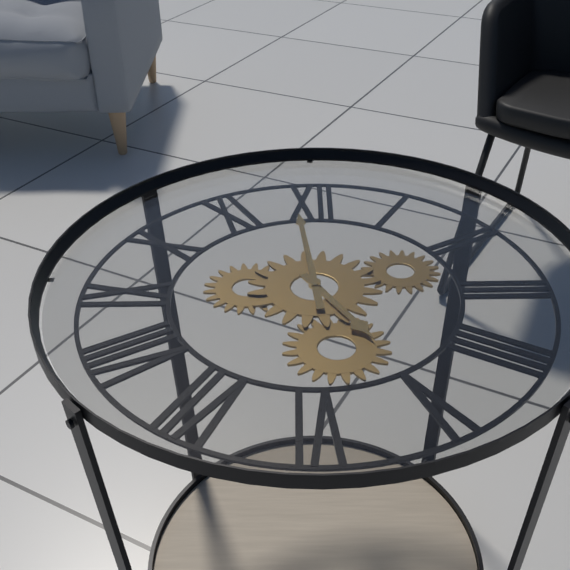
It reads 4,59
